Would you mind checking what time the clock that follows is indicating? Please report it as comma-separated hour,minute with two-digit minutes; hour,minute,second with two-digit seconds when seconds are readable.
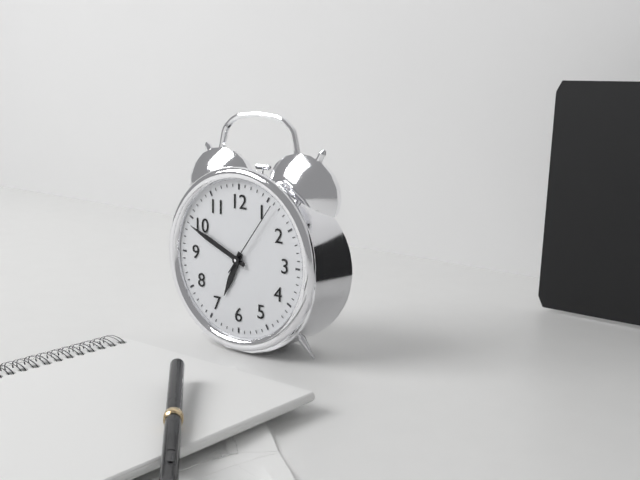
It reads 6,49,06
